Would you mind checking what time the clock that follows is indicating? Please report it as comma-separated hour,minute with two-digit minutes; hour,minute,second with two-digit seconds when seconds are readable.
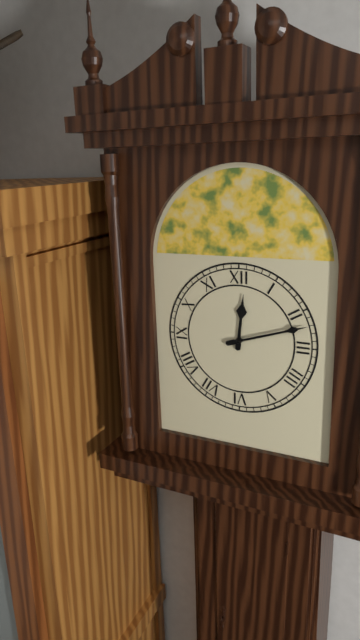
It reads 12,12
